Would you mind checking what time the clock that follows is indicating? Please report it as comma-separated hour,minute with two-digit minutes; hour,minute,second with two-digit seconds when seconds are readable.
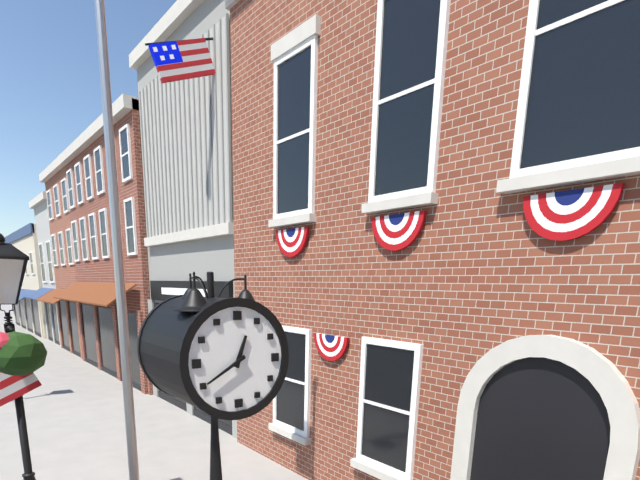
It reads 12,40
